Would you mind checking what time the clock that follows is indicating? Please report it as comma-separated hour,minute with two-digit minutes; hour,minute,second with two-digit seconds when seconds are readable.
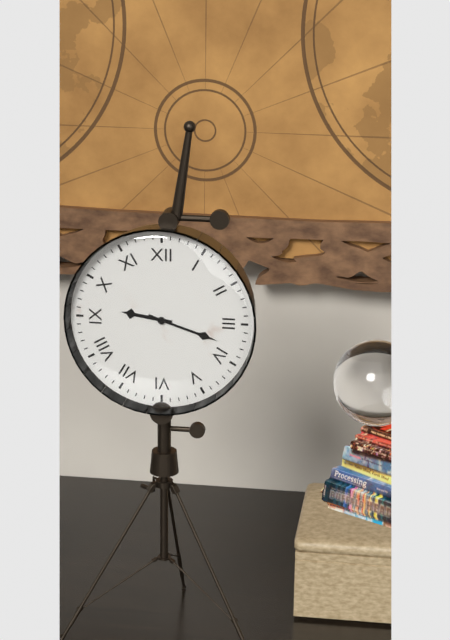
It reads 9,18
